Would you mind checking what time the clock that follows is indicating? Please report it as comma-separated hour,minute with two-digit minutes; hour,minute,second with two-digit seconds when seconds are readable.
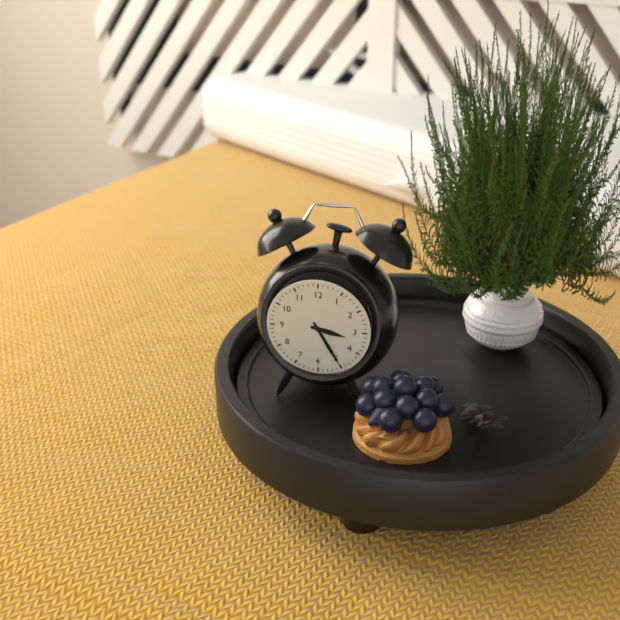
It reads 3,25
